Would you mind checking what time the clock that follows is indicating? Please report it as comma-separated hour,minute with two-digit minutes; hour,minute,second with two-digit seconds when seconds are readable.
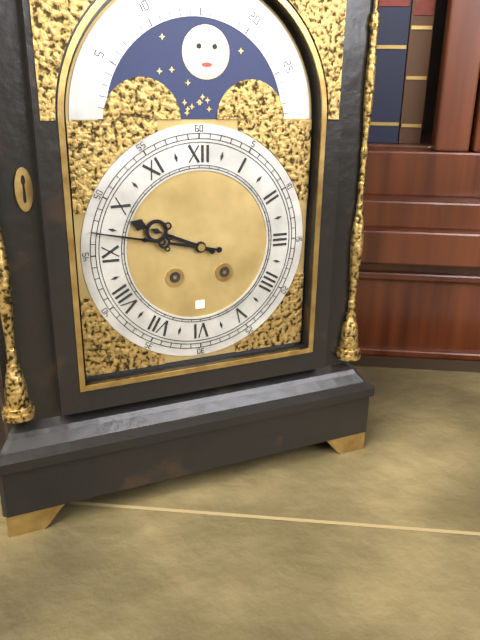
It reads 9,47
